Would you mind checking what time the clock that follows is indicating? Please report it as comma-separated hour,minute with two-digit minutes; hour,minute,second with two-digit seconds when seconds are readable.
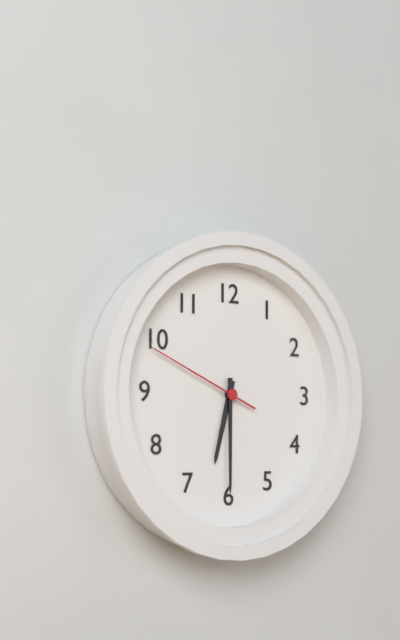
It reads 6,30,49
